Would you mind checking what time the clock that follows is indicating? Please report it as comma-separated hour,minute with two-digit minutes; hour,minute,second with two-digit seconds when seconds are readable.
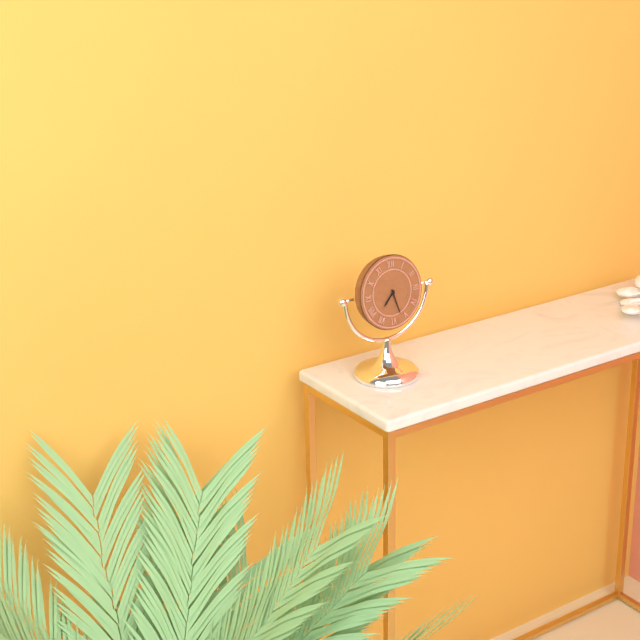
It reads 7,27
